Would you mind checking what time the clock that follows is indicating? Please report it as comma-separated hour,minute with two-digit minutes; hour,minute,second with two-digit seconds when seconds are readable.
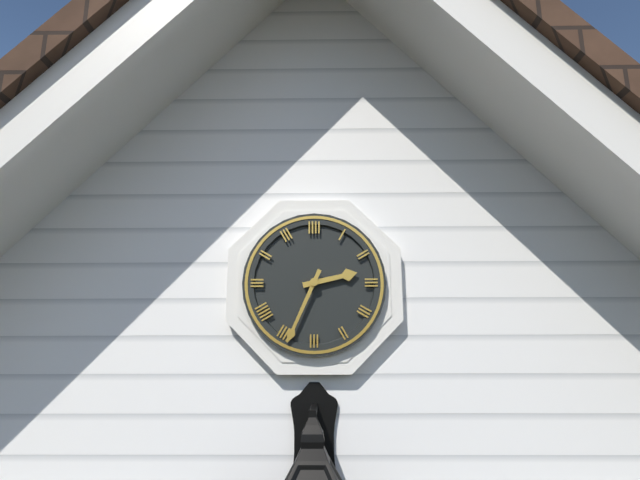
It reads 2,34
